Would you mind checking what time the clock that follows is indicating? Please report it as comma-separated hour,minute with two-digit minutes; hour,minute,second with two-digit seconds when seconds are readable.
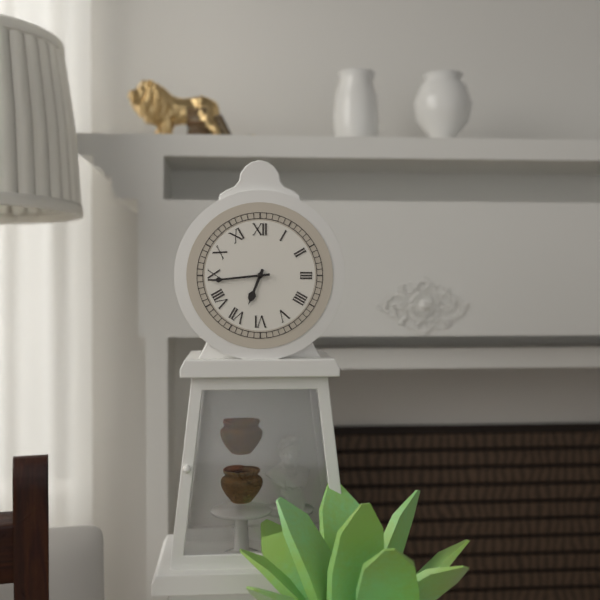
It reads 6,44
